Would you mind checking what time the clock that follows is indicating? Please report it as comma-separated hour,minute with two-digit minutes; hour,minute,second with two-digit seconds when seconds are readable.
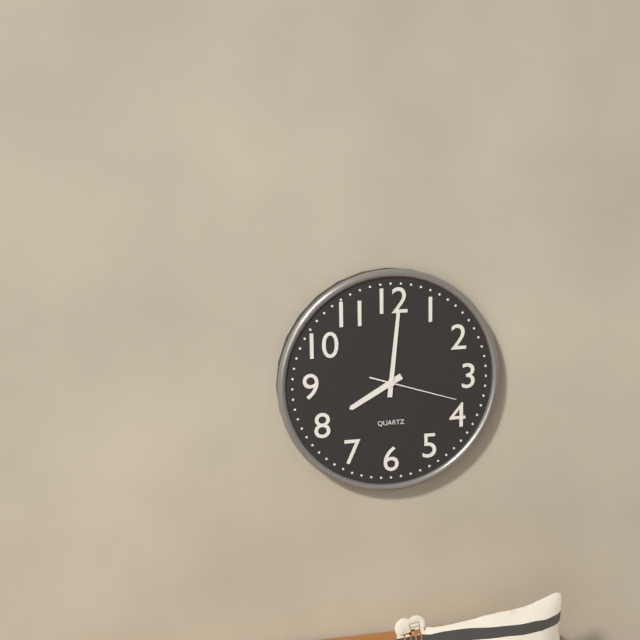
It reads 8,01,18
